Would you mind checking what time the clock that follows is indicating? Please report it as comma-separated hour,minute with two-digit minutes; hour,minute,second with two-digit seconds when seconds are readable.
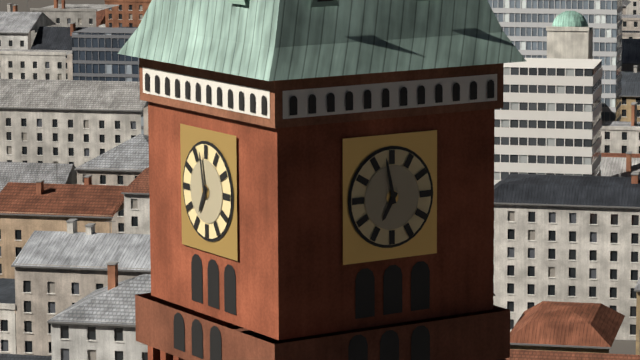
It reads 6,58
